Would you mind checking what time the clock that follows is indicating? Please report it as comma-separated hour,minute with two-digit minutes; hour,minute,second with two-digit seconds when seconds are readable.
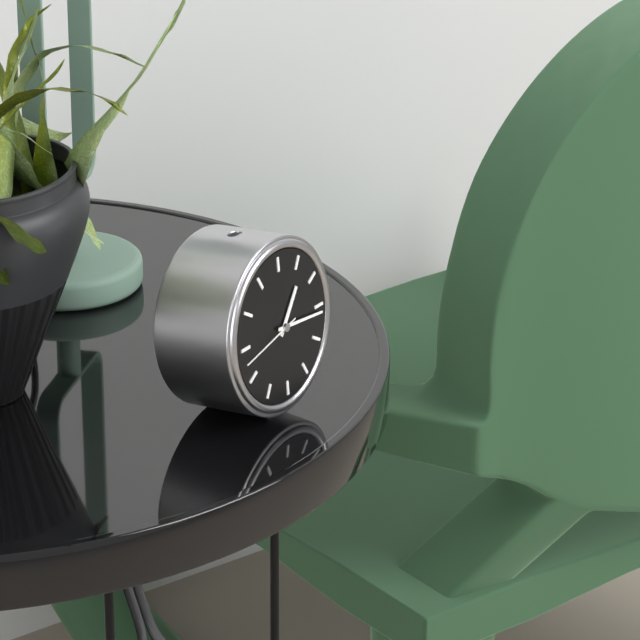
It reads 1,16,43
